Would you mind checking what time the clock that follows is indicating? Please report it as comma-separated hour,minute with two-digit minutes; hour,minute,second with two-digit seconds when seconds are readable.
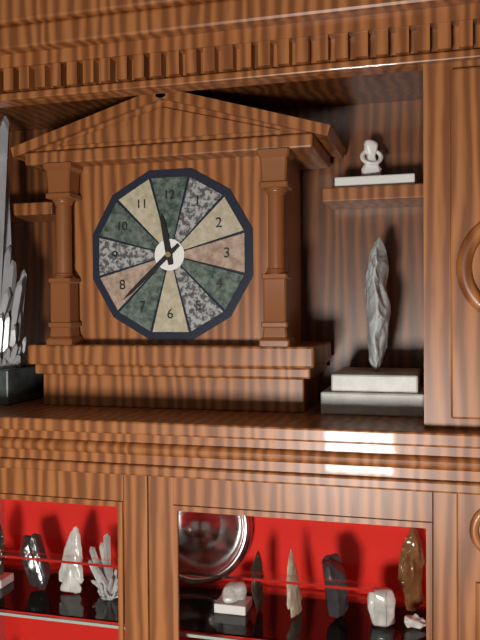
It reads 11,38
